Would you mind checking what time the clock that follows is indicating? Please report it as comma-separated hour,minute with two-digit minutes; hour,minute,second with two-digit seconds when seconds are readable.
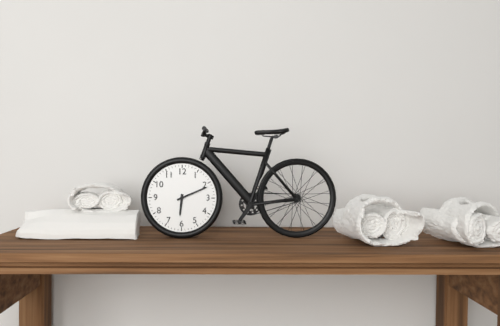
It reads 6,11
